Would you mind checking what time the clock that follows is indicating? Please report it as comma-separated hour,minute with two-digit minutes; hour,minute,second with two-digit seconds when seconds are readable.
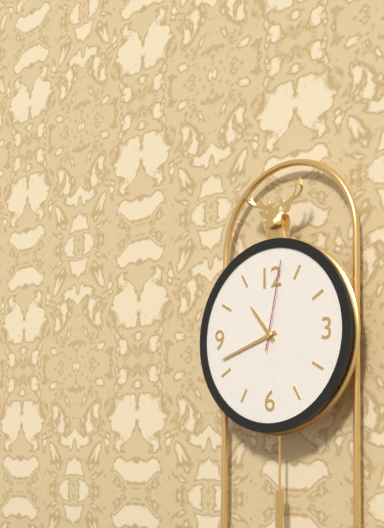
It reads 10,42,02
